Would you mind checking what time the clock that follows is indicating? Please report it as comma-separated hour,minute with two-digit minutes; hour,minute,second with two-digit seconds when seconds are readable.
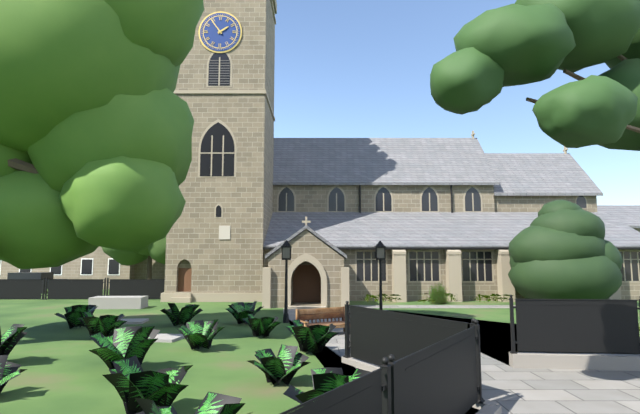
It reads 1,54
